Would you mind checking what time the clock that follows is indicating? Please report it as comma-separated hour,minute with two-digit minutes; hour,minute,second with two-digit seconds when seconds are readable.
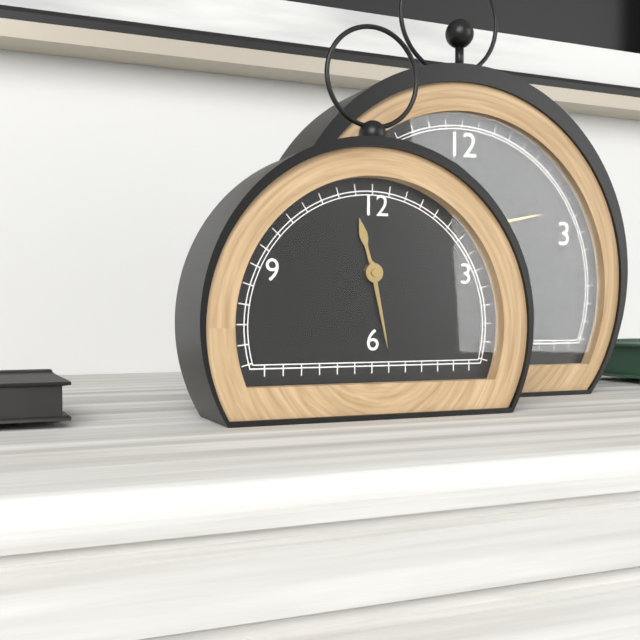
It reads 11,28
